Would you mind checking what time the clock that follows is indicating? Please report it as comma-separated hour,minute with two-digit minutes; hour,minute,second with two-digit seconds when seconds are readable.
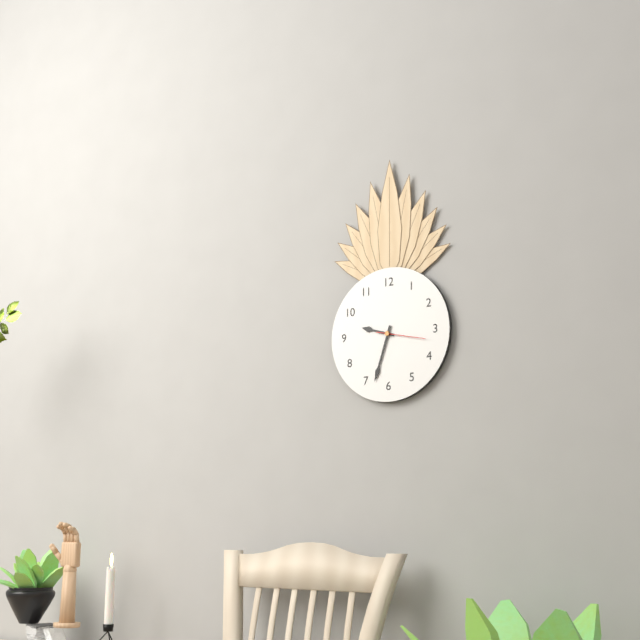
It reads 9,33
